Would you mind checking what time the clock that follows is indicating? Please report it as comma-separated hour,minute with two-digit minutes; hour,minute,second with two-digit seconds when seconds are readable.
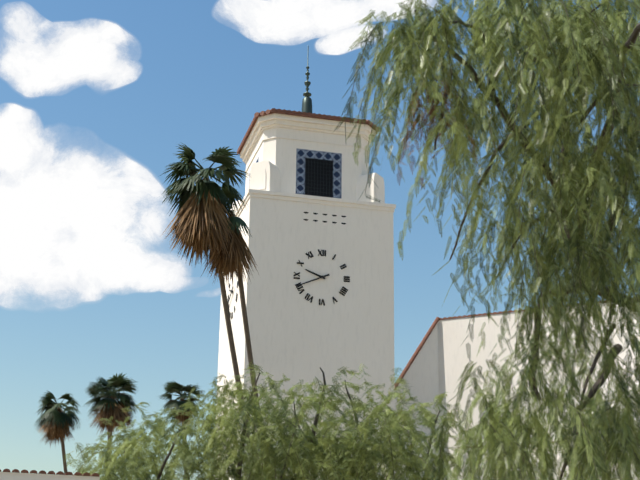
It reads 9,41
